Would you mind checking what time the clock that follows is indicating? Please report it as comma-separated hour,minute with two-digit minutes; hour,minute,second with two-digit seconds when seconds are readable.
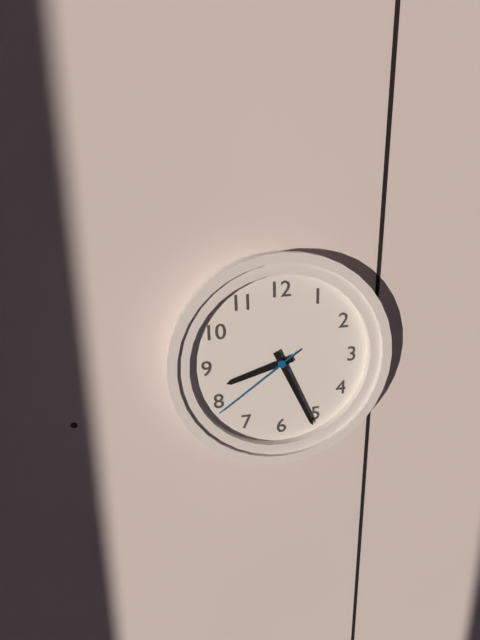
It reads 8,26,39
